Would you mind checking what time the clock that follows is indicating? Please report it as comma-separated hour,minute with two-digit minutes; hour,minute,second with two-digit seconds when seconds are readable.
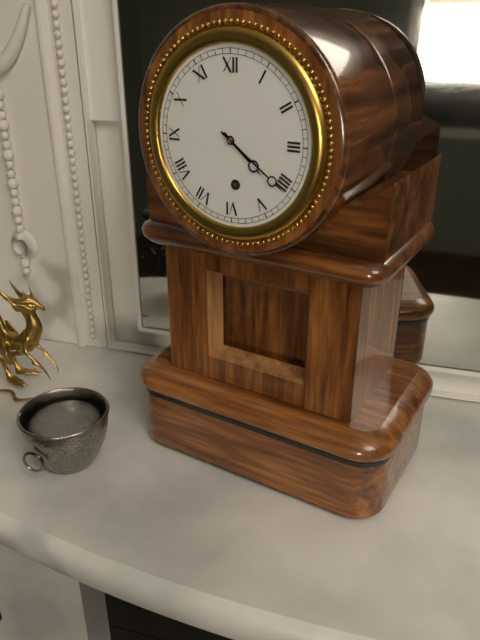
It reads 4,21
